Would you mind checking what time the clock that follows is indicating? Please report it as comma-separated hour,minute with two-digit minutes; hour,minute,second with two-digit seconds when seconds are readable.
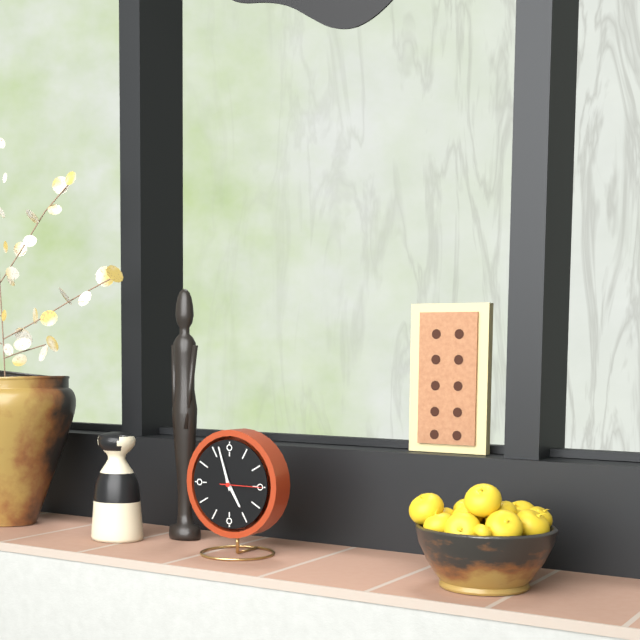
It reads 4,57
